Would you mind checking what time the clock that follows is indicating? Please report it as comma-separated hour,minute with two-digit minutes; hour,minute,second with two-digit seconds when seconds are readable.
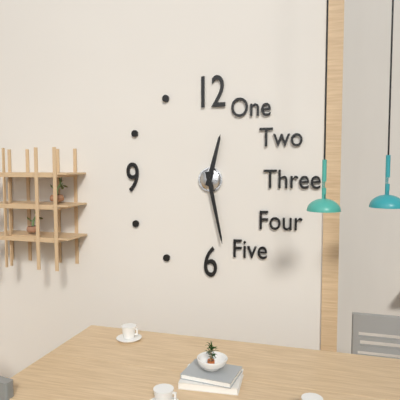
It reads 12,28
